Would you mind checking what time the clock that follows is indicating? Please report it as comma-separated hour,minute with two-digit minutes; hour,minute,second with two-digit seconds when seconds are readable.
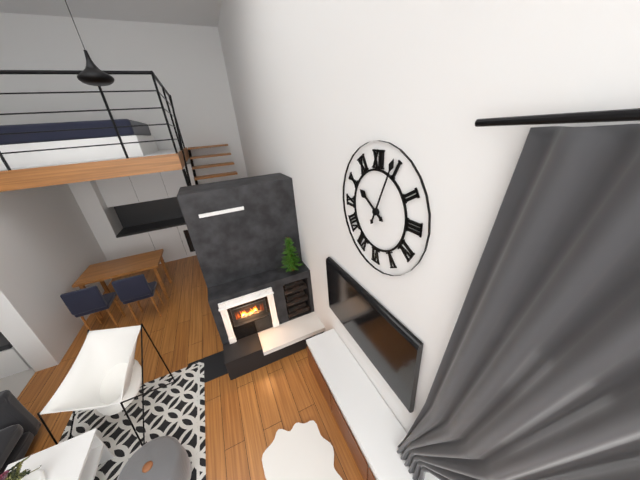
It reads 10,04
